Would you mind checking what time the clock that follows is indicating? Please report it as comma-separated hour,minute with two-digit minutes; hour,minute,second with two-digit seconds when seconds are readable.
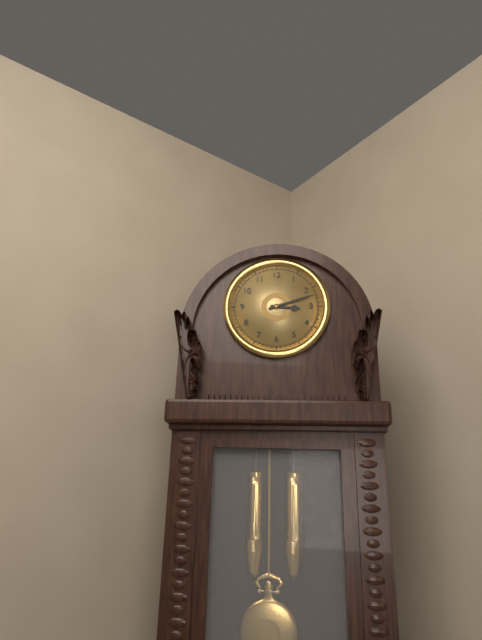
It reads 3,12
